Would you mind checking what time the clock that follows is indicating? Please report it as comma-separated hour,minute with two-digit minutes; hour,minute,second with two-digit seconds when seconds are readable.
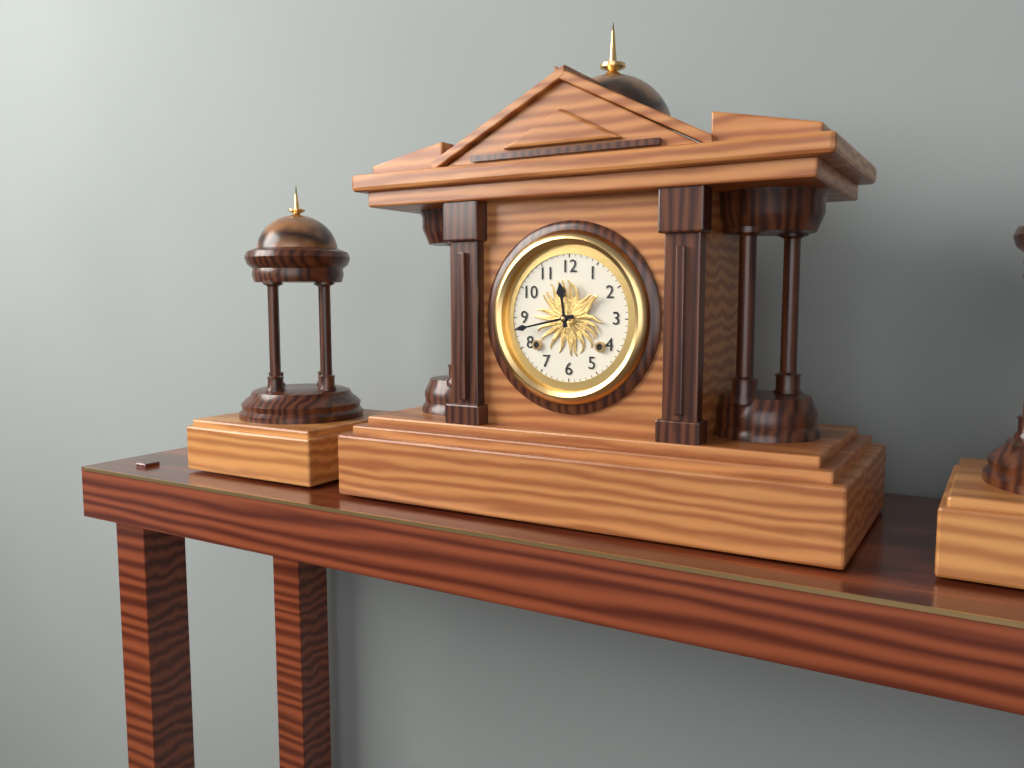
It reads 11,43
